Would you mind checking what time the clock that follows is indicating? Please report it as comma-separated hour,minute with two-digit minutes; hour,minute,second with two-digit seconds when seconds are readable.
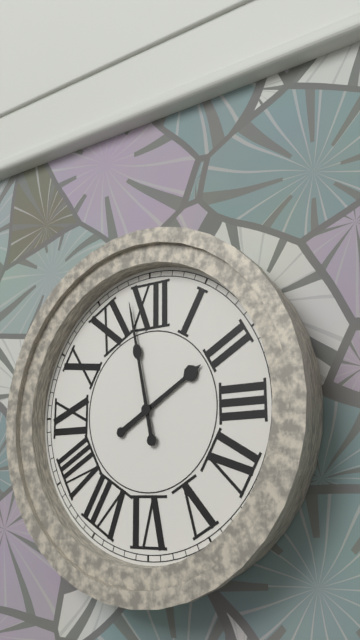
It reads 1,58
